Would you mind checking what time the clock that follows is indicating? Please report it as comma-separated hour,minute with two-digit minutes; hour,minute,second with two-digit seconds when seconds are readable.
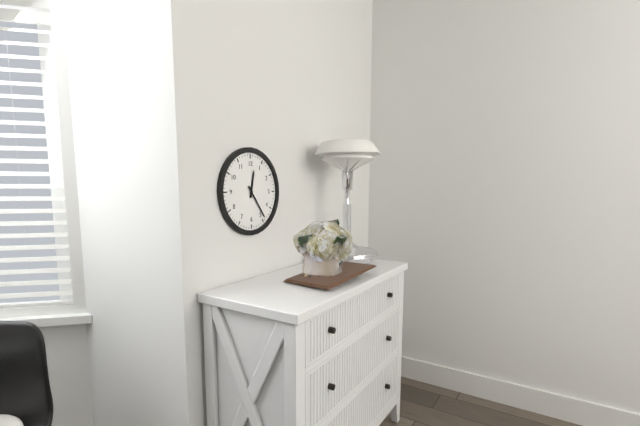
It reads 12,24
